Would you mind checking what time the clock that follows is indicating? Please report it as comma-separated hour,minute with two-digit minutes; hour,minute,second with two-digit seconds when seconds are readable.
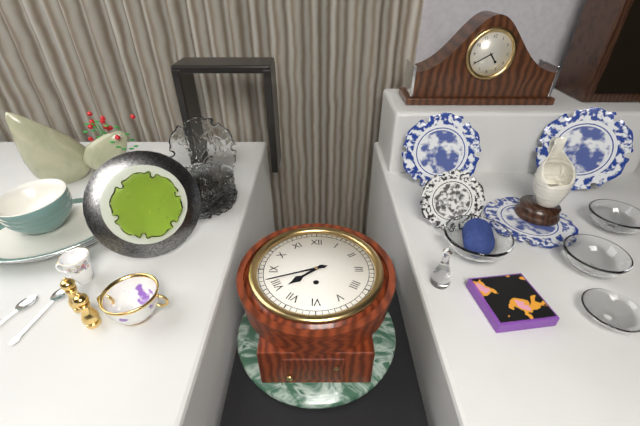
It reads 7,42
